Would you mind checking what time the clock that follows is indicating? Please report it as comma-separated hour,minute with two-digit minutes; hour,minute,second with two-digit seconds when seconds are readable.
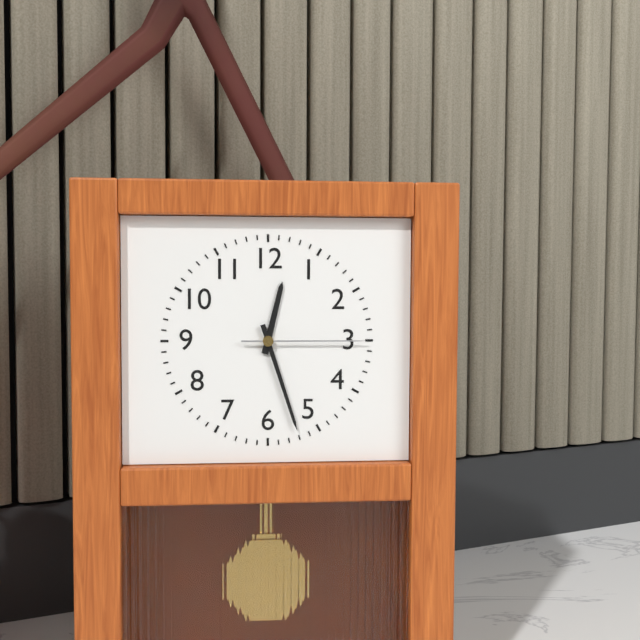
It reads 12,27,15
